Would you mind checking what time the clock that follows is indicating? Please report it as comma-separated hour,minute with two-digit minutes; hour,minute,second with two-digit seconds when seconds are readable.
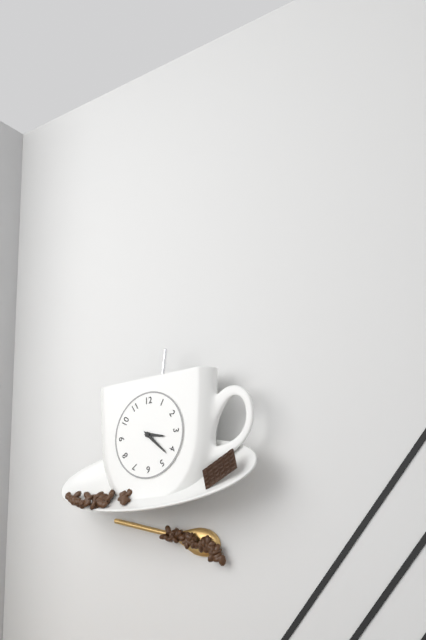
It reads 3,22
